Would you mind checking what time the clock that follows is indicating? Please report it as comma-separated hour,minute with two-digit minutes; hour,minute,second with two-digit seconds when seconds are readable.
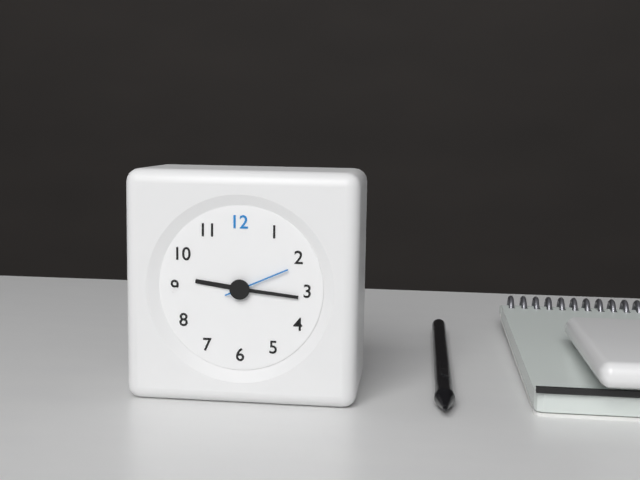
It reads 9,16,11
